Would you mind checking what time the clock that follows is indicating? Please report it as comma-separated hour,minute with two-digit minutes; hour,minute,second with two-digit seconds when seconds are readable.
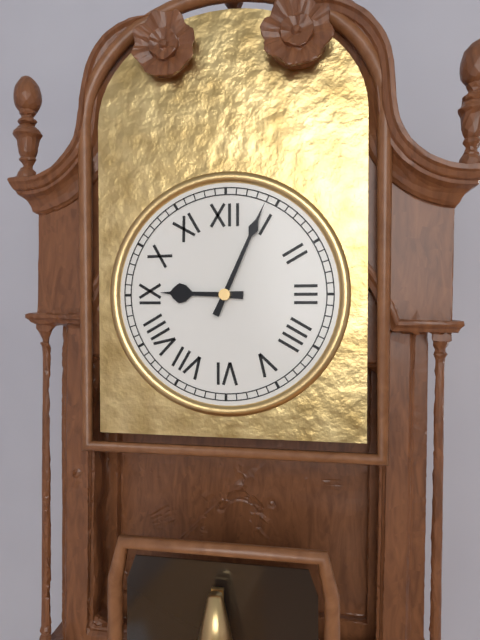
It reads 9,04
